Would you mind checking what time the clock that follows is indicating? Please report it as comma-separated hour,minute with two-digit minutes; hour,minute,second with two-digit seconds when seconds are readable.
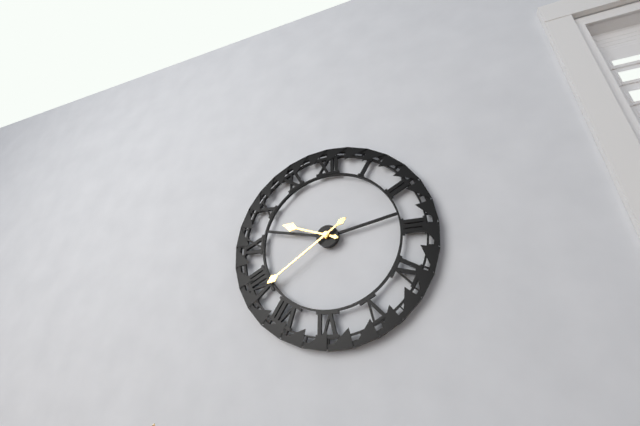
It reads 9,39
